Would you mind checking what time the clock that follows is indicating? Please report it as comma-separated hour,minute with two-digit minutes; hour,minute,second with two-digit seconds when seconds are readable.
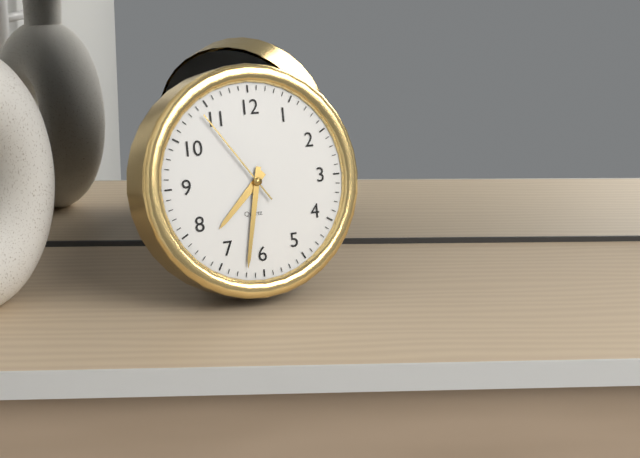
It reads 7,32,54
